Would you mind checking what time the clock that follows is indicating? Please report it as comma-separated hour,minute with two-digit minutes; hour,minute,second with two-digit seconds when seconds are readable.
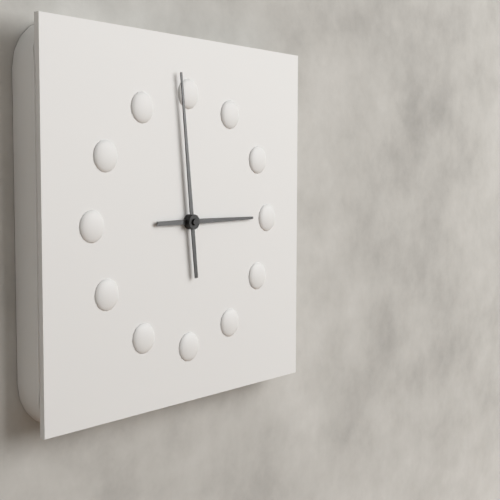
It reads 2,59
